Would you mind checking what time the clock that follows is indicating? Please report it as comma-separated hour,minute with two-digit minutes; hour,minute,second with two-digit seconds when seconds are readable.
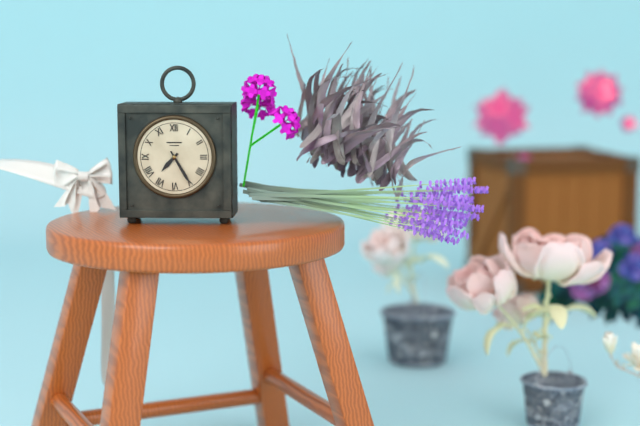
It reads 7,25
